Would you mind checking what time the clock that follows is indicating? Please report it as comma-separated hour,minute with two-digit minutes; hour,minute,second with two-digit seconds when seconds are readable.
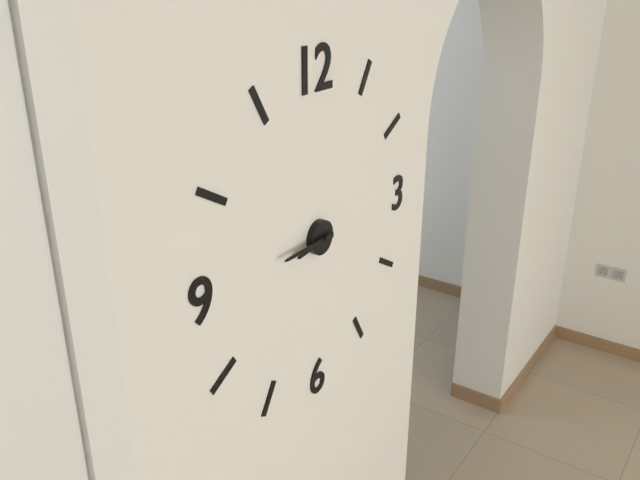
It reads 8,45
